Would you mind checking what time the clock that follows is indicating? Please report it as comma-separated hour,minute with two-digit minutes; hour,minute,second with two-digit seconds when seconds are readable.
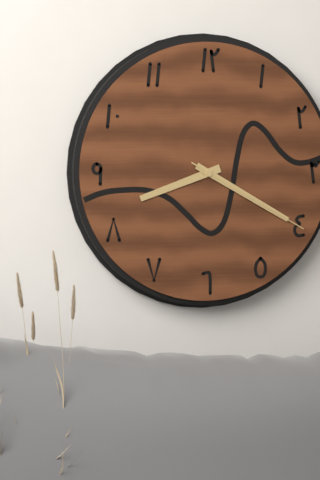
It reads 8,20,20
